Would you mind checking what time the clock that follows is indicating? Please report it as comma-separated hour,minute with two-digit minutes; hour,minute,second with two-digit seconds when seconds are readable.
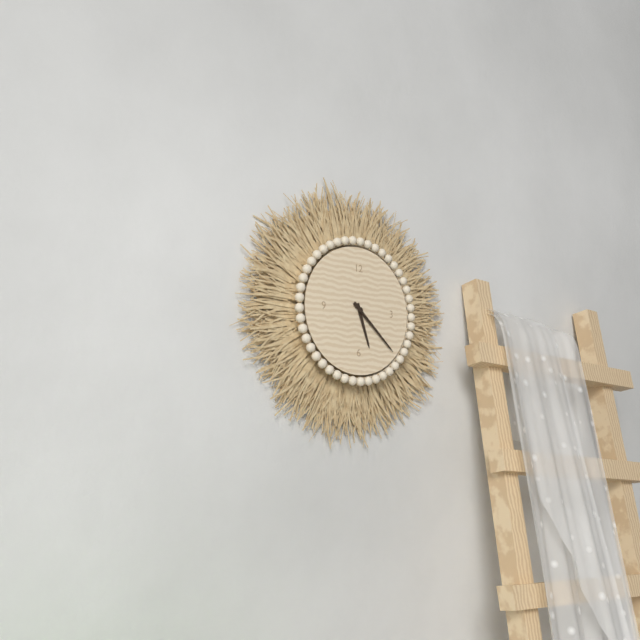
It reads 5,22
